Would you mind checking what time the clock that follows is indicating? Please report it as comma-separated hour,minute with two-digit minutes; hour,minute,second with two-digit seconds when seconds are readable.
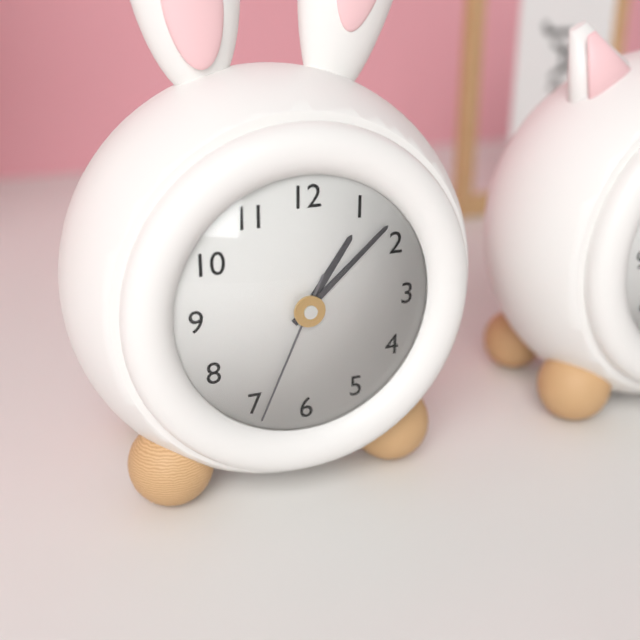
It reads 1,08,34
